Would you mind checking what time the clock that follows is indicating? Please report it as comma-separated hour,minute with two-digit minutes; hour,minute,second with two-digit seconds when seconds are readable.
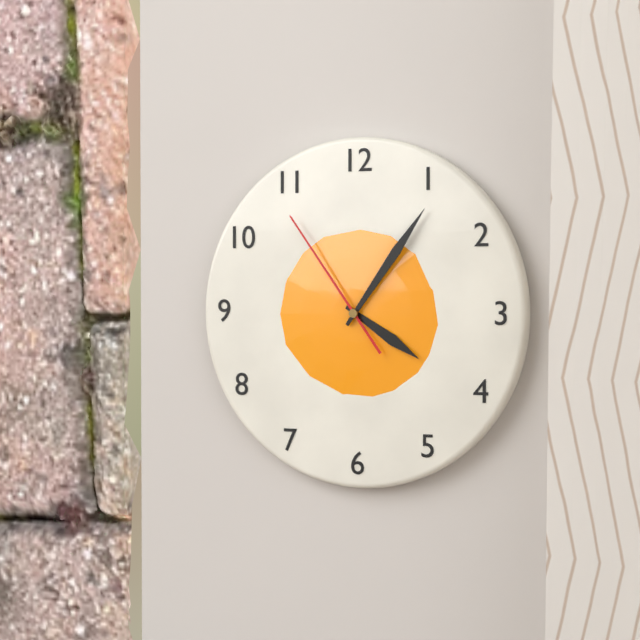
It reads 4,06,54
